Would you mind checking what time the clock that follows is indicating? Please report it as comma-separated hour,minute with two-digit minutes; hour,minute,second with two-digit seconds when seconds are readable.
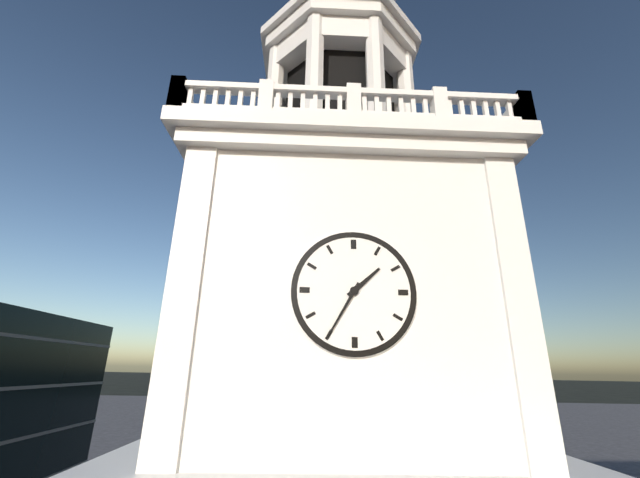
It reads 1,35
